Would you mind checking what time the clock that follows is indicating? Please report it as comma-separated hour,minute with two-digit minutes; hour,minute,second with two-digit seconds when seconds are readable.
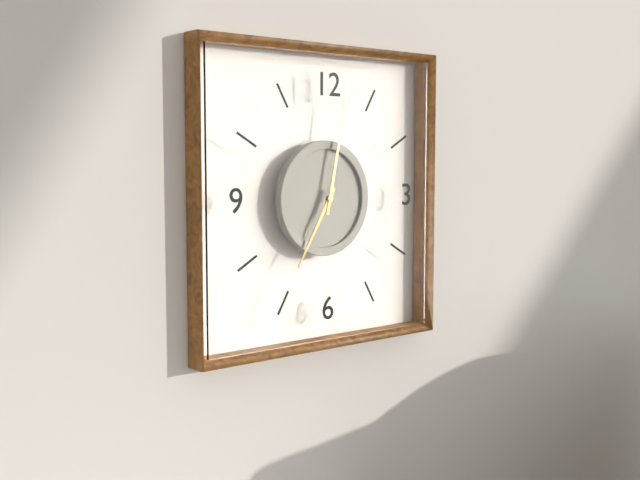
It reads 7,02
